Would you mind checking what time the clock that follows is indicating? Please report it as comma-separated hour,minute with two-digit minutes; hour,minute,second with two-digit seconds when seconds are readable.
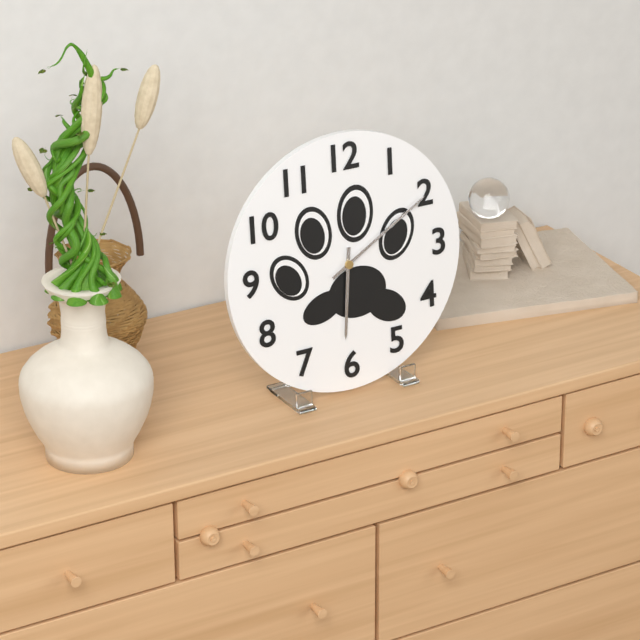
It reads 6,10
